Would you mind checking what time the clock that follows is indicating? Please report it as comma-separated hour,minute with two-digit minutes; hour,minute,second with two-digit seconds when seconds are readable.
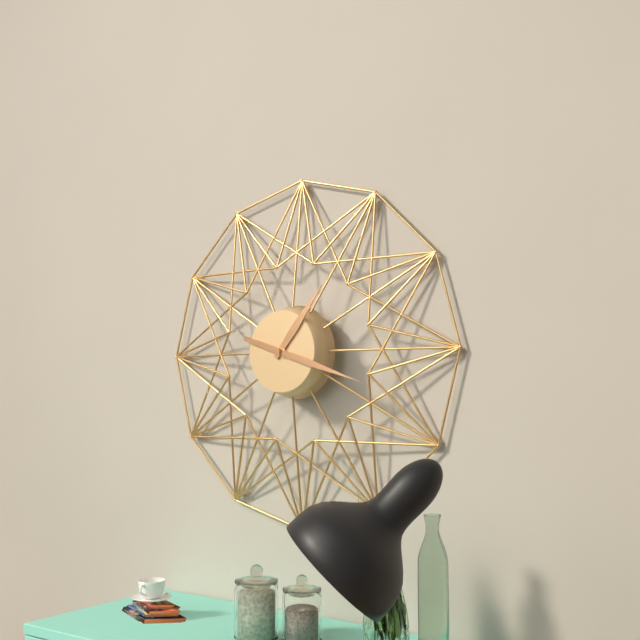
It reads 1,18
